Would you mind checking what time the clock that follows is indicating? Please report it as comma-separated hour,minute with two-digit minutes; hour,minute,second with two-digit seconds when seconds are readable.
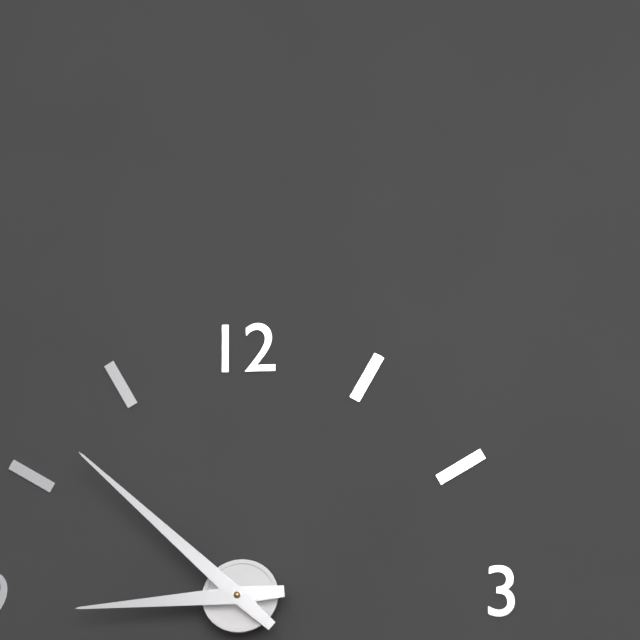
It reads 8,52
